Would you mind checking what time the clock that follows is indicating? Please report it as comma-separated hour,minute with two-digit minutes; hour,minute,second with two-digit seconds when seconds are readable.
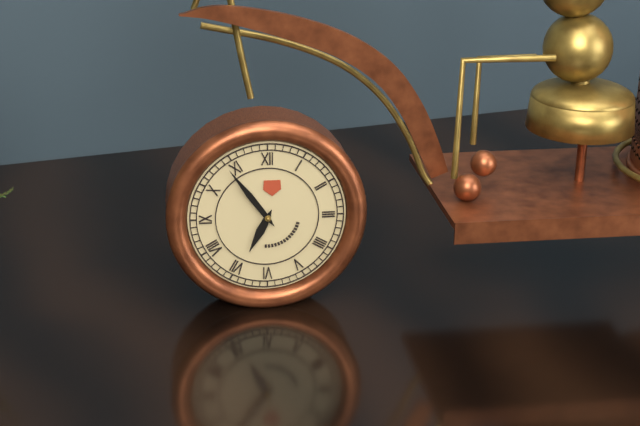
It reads 6,54
